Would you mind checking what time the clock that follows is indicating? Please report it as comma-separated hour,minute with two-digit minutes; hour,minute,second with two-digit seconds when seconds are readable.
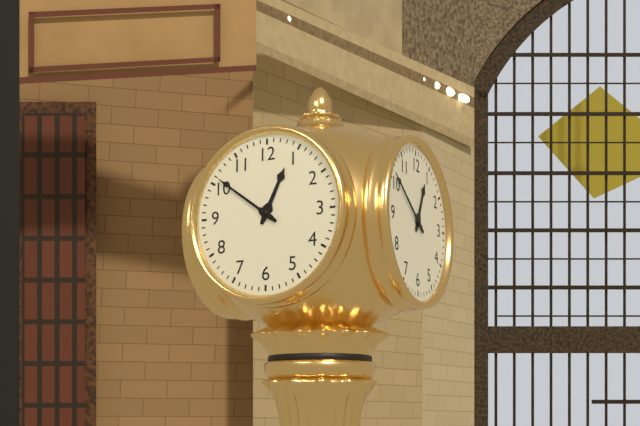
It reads 12,51
